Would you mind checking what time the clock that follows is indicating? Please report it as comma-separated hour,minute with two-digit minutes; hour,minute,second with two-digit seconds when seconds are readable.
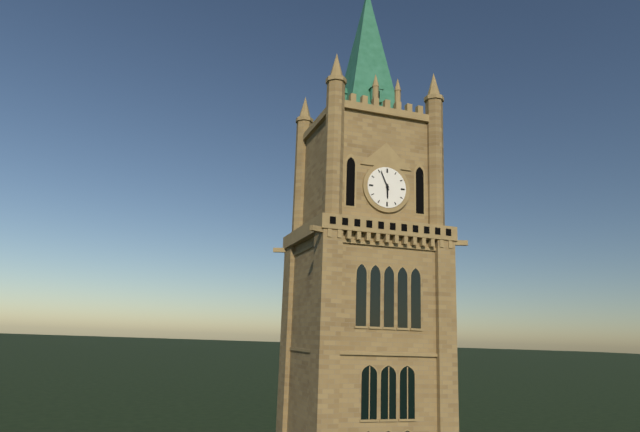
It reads 5,56
